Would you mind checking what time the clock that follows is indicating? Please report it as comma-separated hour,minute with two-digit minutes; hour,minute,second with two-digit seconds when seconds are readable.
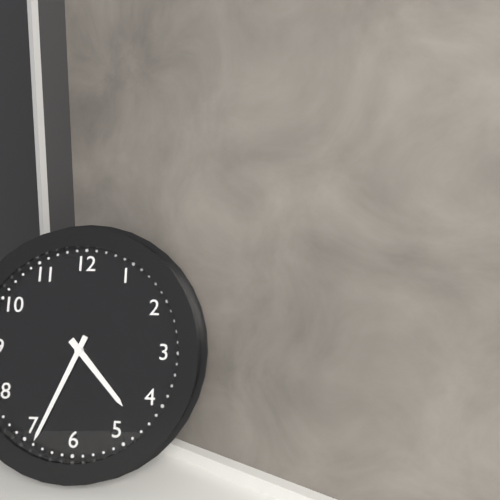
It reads 4,34
